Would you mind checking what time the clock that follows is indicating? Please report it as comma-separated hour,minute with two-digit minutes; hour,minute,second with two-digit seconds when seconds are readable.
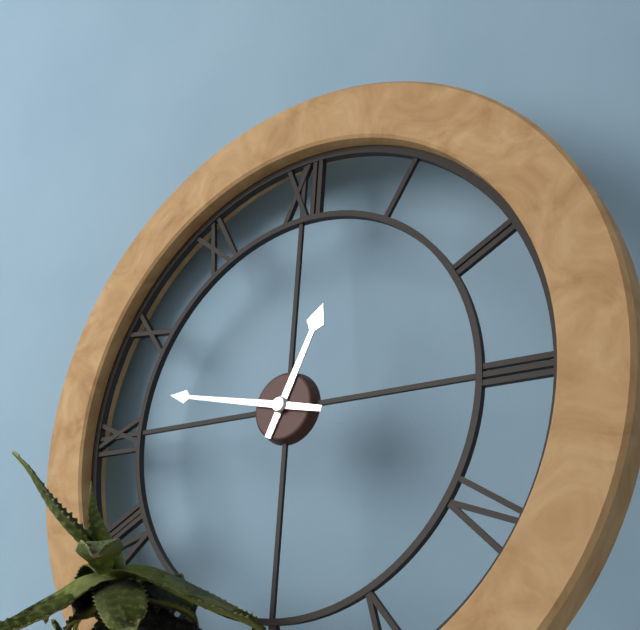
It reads 12,47
